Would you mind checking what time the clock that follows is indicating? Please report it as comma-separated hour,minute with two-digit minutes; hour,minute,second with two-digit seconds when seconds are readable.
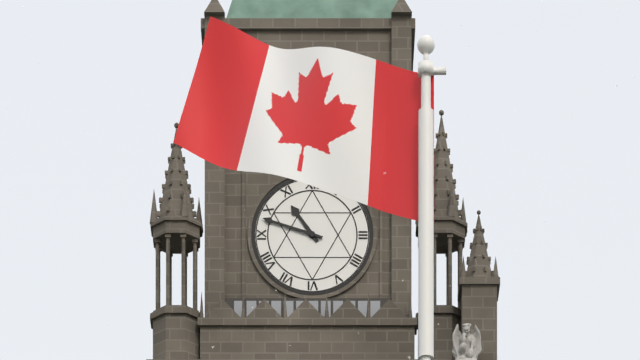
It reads 10,48
